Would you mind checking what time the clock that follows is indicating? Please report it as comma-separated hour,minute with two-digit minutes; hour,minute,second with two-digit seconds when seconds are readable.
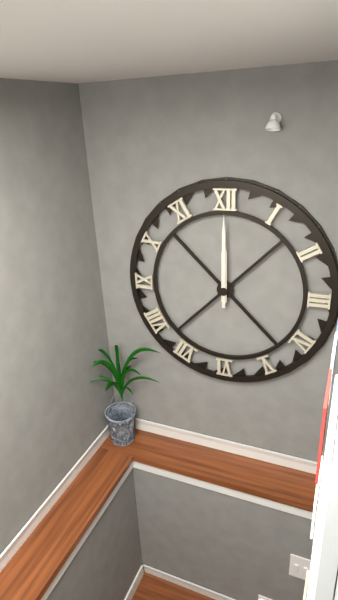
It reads 12,00
